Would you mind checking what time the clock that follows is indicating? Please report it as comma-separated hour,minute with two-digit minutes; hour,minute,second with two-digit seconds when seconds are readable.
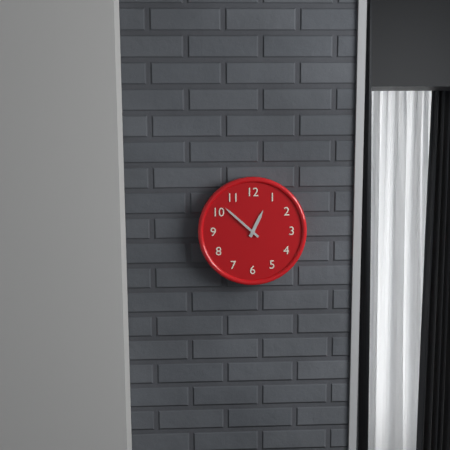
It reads 12,52
